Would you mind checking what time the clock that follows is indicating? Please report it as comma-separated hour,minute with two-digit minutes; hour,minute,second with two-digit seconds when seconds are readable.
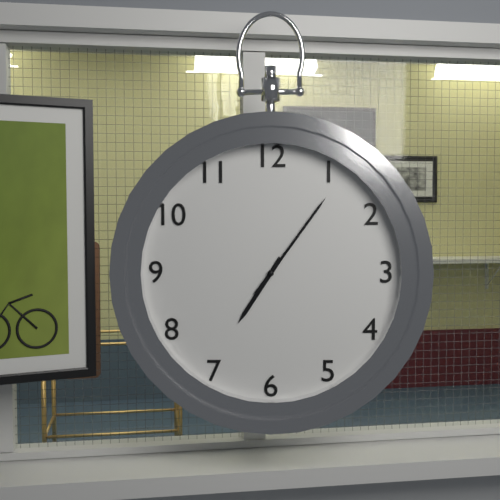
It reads 7,06
